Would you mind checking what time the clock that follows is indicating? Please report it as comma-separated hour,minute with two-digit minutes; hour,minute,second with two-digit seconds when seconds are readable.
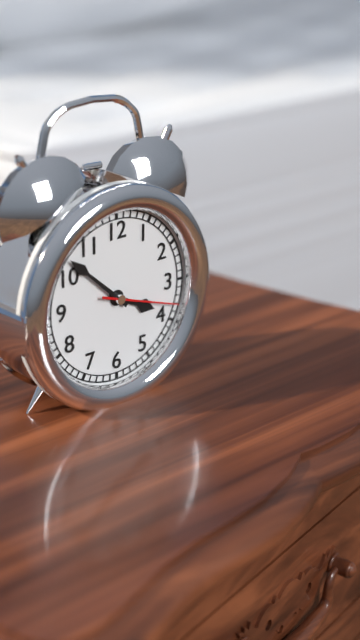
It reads 3,52,18
